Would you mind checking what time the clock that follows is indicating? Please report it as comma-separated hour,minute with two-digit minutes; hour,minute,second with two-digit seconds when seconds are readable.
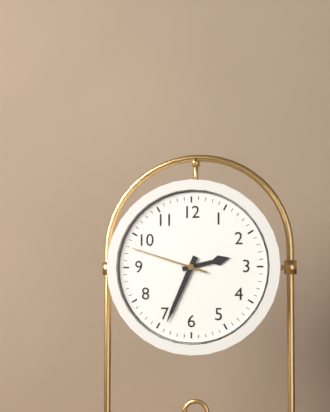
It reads 2,34,48
